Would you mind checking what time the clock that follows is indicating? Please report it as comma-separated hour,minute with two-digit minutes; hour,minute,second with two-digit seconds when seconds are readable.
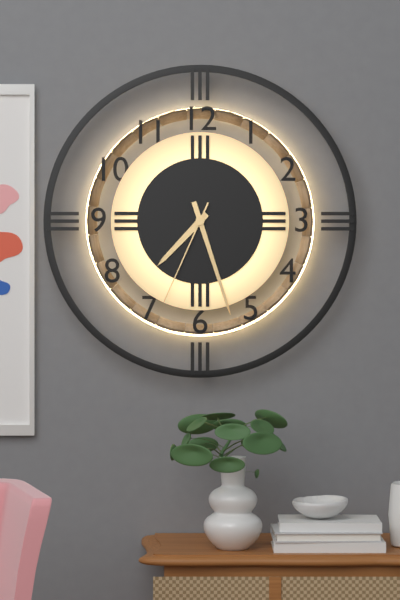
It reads 7,27,34
